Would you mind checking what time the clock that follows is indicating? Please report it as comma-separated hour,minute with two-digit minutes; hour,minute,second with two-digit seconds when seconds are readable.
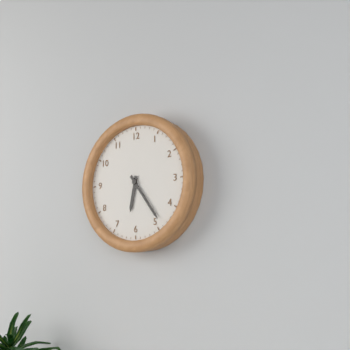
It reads 6,24
